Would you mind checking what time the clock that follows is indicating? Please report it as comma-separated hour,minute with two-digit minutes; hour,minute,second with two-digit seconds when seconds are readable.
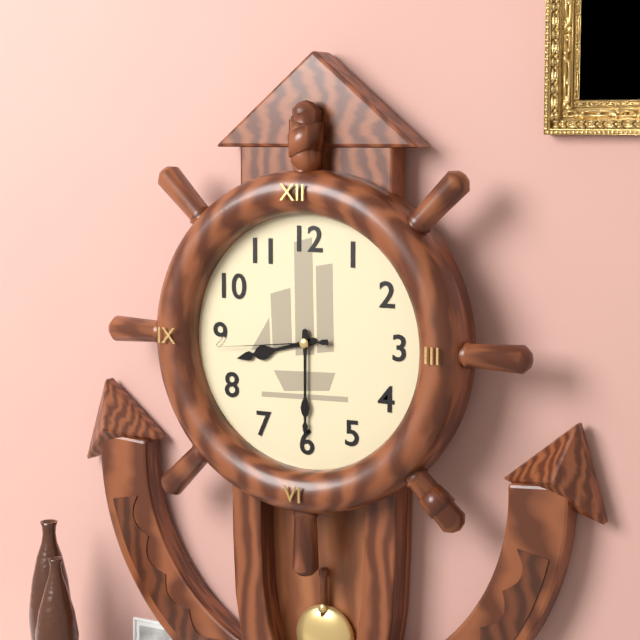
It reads 8,30,44
